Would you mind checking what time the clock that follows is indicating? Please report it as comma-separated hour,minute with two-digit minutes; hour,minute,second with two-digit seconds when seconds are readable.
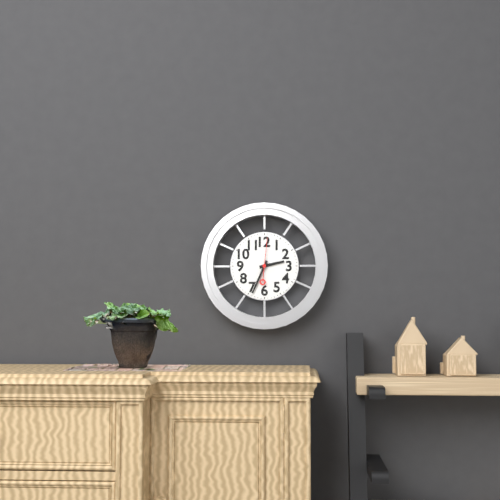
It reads 2,34
